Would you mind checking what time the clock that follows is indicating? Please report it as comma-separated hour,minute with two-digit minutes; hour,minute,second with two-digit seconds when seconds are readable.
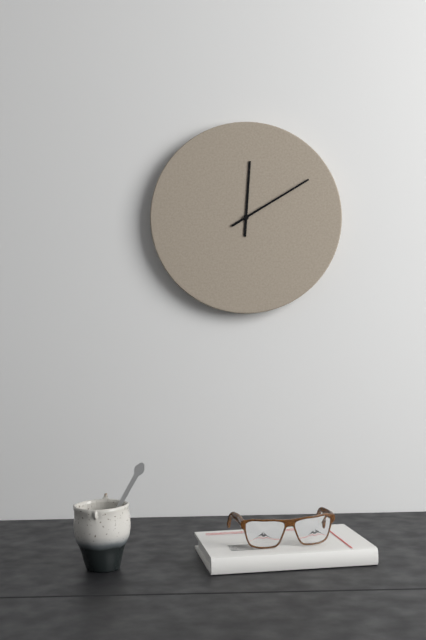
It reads 12,10
